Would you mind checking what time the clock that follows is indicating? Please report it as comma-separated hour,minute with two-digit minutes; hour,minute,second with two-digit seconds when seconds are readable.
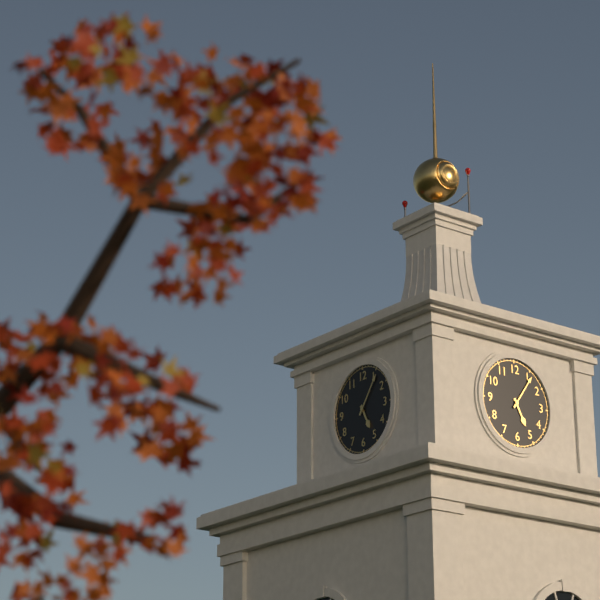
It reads 5,06
